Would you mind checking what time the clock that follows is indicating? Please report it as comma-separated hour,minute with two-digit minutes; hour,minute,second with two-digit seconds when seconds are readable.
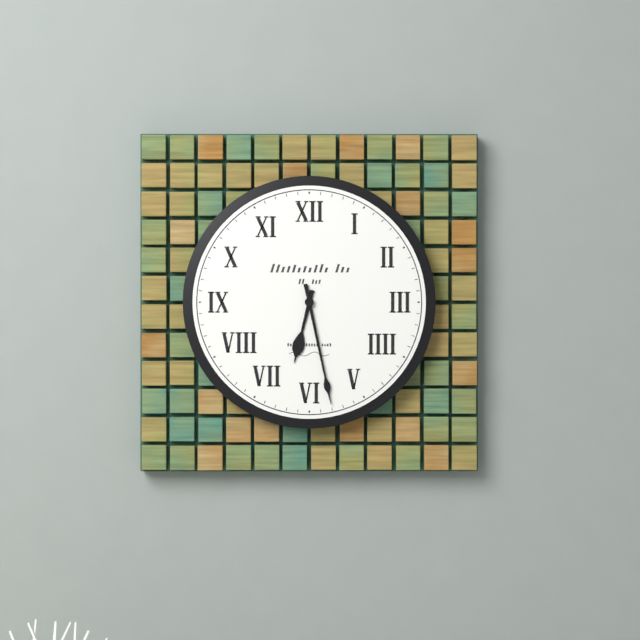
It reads 6,28
